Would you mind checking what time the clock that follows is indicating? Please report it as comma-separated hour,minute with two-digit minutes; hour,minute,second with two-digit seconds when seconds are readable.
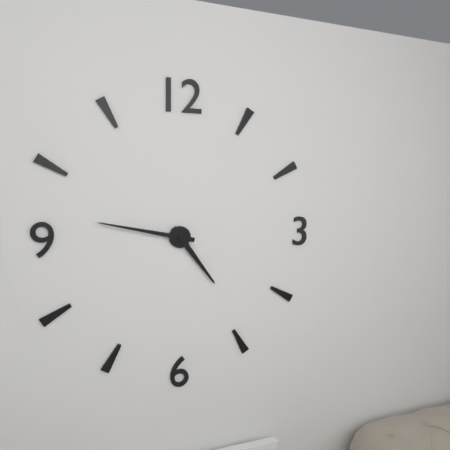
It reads 4,47
